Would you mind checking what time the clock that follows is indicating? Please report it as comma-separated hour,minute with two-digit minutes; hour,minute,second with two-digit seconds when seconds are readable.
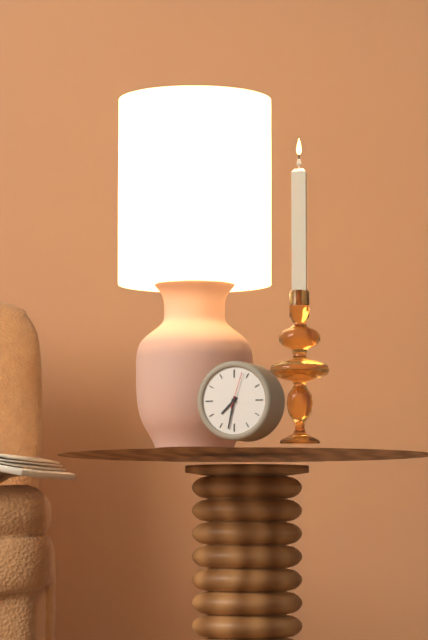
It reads 7,32
